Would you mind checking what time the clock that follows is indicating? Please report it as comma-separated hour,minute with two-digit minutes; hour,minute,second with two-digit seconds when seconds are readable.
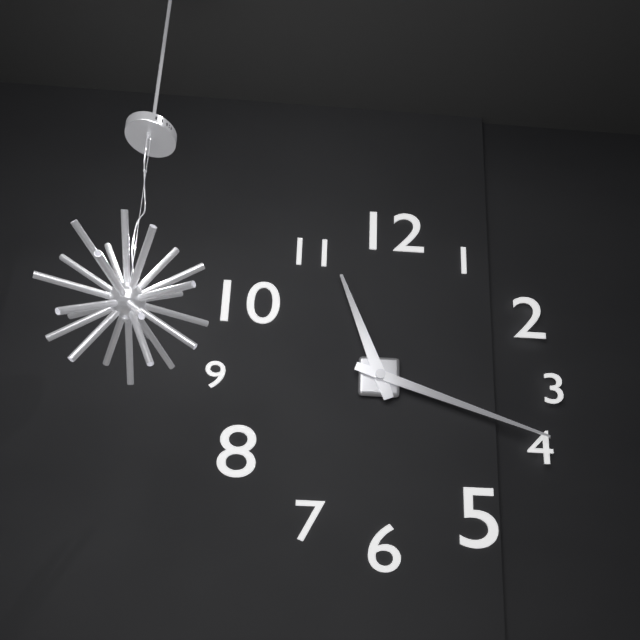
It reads 11,18
